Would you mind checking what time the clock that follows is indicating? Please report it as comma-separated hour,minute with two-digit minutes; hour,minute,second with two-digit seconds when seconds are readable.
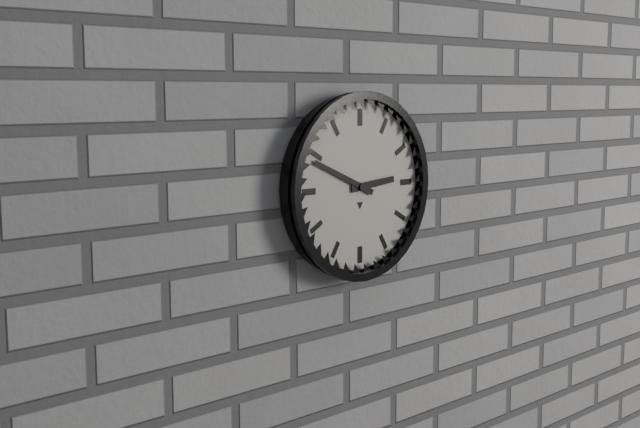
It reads 2,49
